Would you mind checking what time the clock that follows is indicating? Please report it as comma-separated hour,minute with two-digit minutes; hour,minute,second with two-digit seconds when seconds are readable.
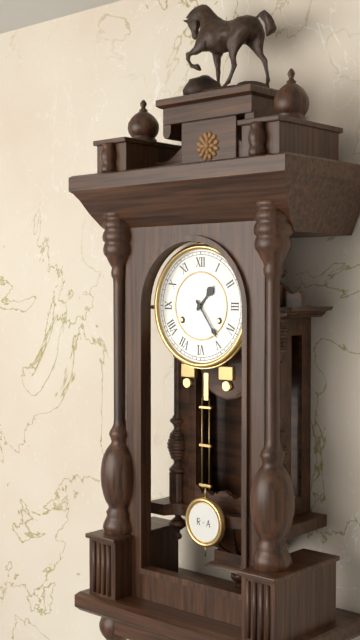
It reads 1,24
